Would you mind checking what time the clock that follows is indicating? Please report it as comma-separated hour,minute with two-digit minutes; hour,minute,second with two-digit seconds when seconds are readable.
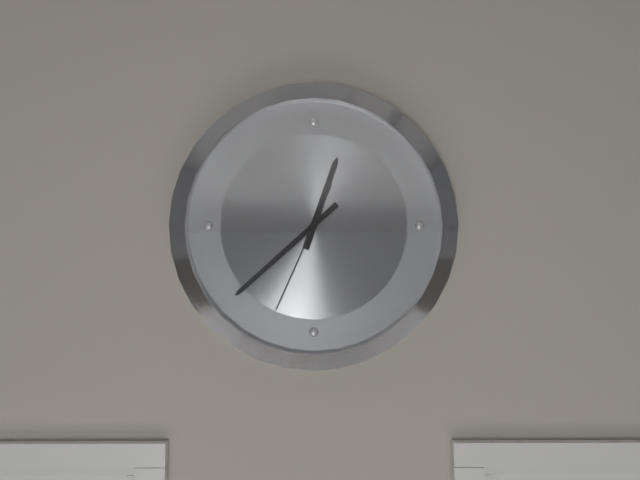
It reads 12,38,34
